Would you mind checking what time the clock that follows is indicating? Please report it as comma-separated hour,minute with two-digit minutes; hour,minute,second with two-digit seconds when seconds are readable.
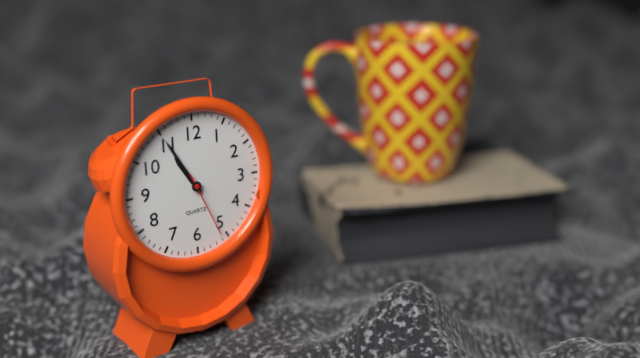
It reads 10,55,26
